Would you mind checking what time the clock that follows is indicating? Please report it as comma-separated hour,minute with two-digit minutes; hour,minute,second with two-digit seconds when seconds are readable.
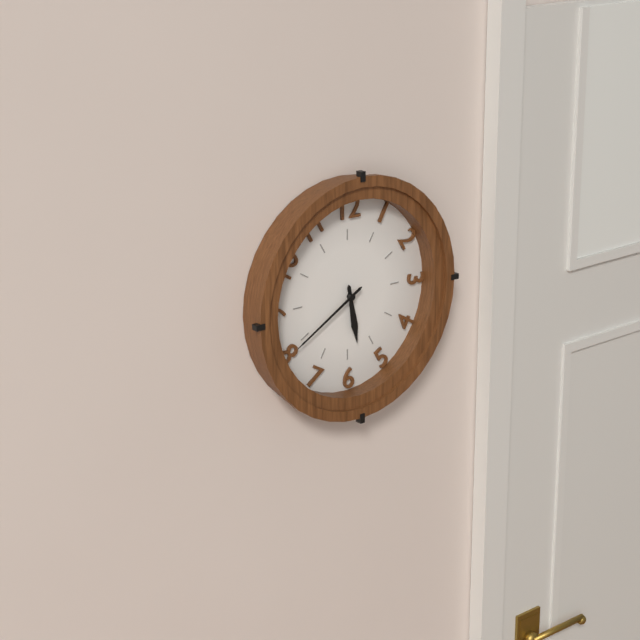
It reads 5,40
